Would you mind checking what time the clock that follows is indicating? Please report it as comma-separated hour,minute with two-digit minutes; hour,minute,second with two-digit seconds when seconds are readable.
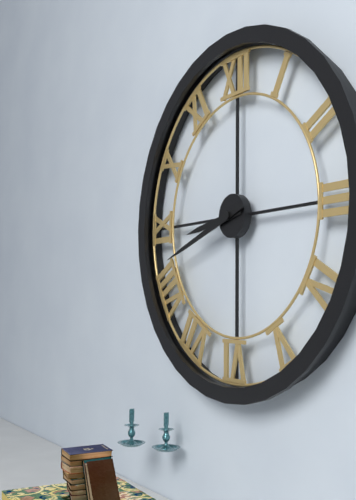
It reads 8,42
